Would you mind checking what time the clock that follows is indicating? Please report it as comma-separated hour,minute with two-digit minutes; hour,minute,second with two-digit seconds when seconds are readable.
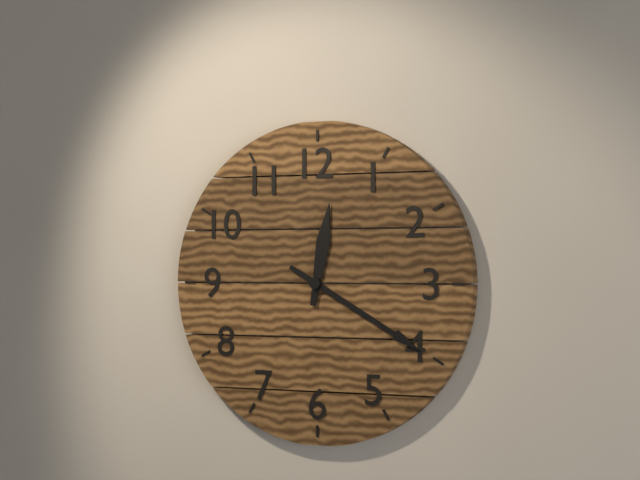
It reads 12,20
